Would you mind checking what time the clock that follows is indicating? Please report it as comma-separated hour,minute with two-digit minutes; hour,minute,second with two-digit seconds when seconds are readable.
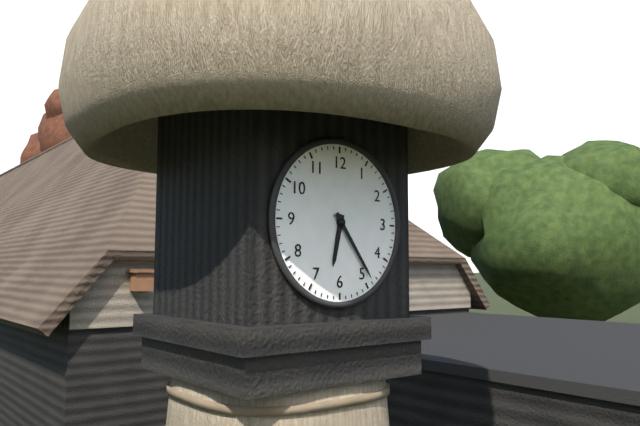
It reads 6,24
